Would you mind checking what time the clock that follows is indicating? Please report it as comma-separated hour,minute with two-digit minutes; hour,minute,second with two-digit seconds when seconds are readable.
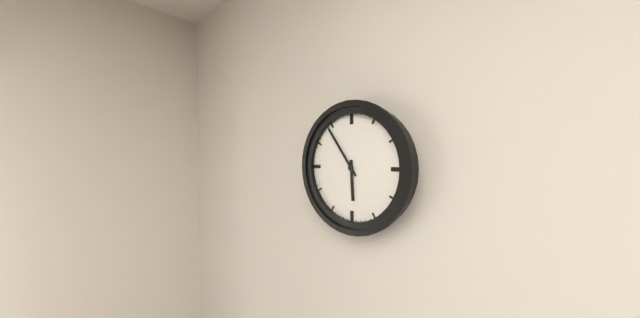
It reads 5,54
